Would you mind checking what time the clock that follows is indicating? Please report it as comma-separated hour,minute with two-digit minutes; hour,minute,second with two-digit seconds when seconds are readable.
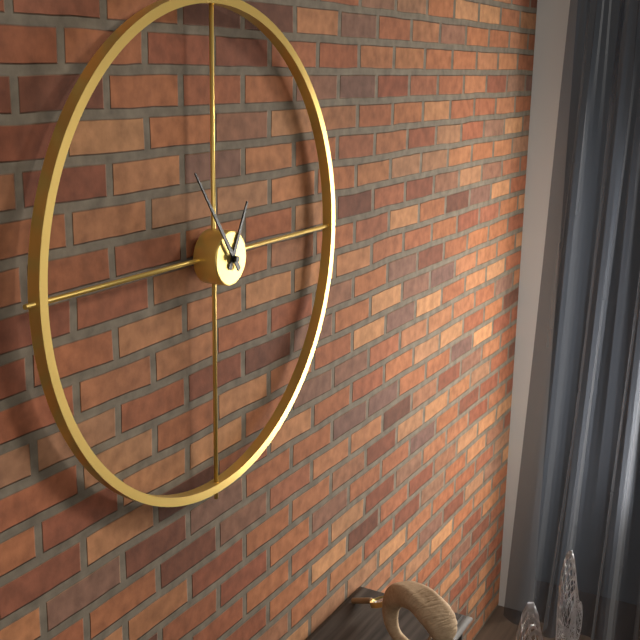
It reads 12,54
